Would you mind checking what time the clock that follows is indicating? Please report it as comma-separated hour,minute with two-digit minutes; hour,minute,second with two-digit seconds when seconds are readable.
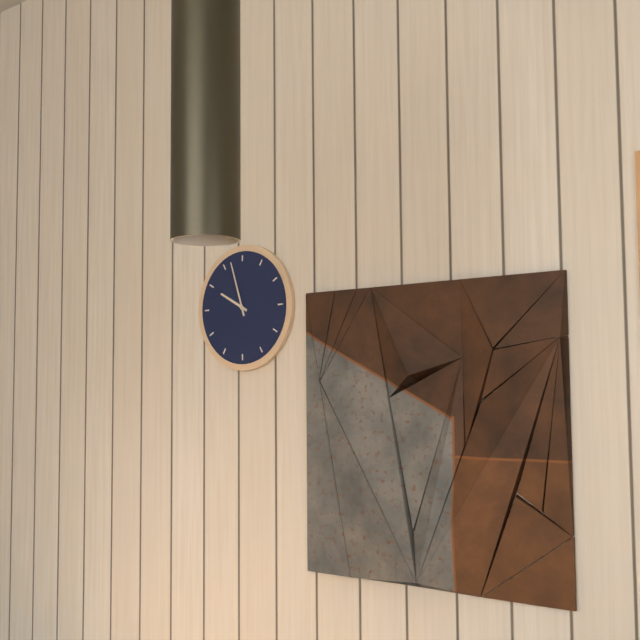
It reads 9,57
